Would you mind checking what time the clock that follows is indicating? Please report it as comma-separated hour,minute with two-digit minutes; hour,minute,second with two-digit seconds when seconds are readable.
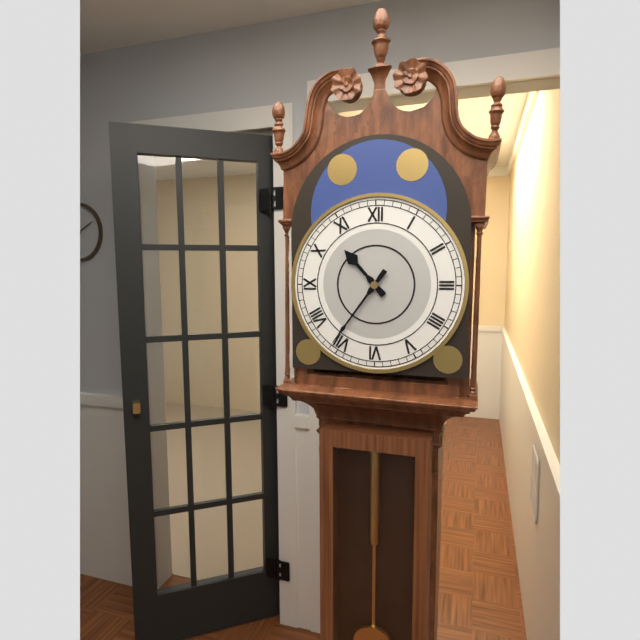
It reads 10,36
